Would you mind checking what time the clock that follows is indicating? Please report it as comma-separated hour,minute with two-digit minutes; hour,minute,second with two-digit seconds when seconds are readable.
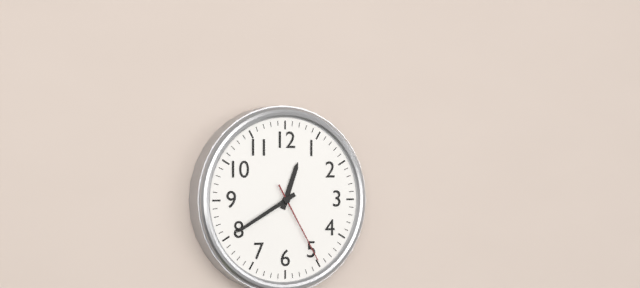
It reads 12,40,25
